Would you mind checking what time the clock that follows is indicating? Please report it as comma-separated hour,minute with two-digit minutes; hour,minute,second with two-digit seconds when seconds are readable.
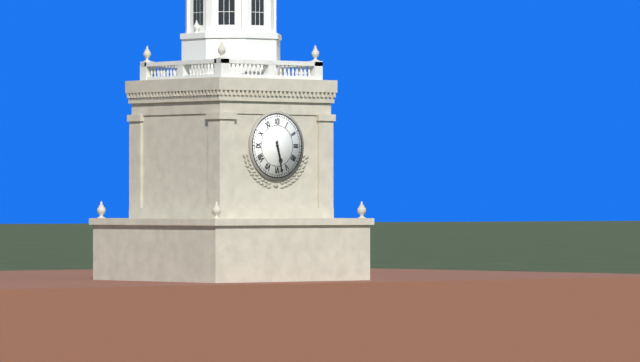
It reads 5,28
